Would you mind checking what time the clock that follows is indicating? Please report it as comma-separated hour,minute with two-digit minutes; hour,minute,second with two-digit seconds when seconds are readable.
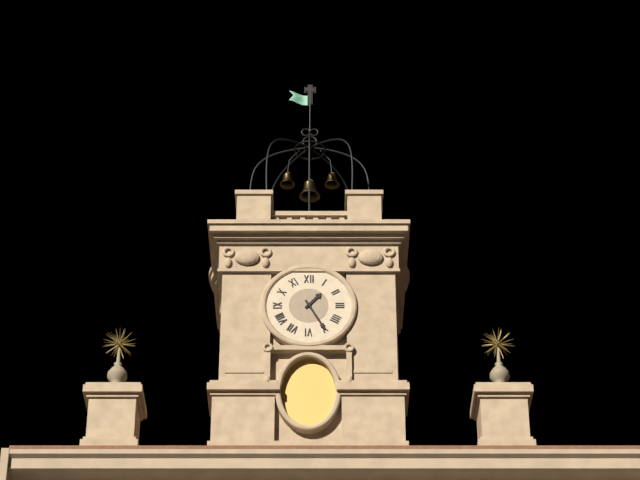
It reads 1,25
